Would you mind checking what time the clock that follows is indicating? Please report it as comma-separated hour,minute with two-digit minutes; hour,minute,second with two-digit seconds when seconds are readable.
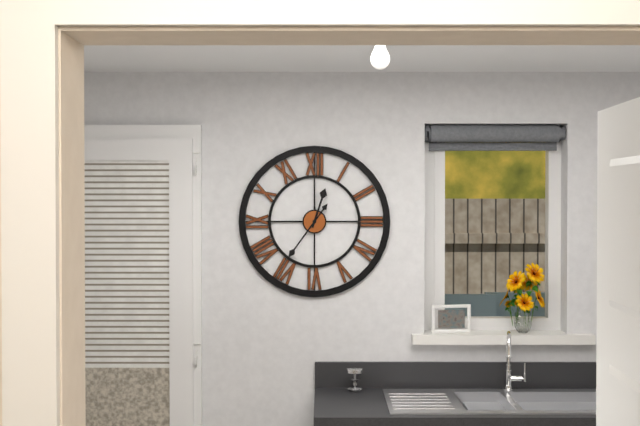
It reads 12,36
